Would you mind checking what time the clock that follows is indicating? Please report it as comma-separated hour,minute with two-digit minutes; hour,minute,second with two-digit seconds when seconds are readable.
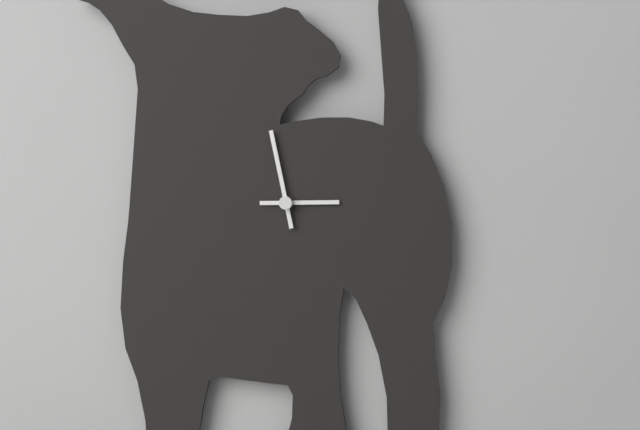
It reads 2,58
